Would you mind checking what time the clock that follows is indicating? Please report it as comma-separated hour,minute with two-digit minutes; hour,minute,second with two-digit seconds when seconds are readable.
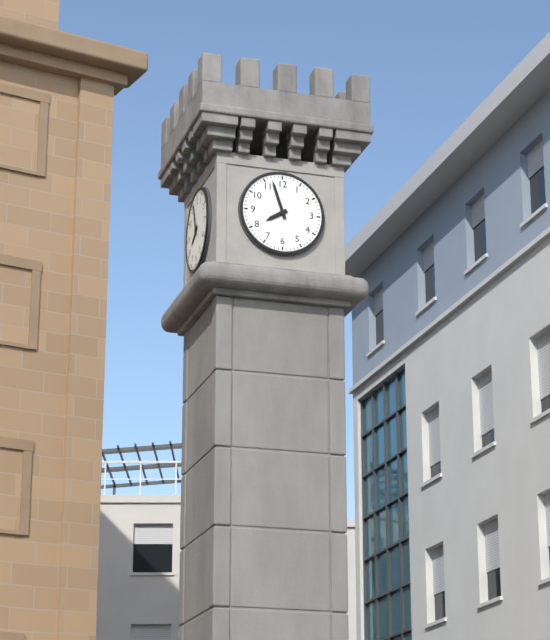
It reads 7,57
